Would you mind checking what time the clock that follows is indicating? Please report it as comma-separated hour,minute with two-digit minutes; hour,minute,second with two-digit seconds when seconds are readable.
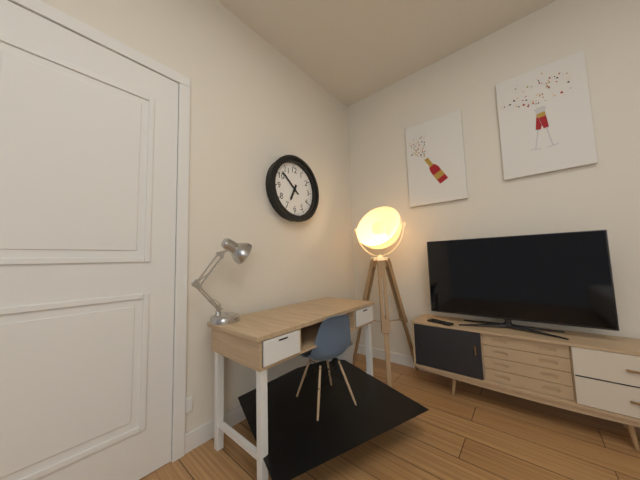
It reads 6,52
